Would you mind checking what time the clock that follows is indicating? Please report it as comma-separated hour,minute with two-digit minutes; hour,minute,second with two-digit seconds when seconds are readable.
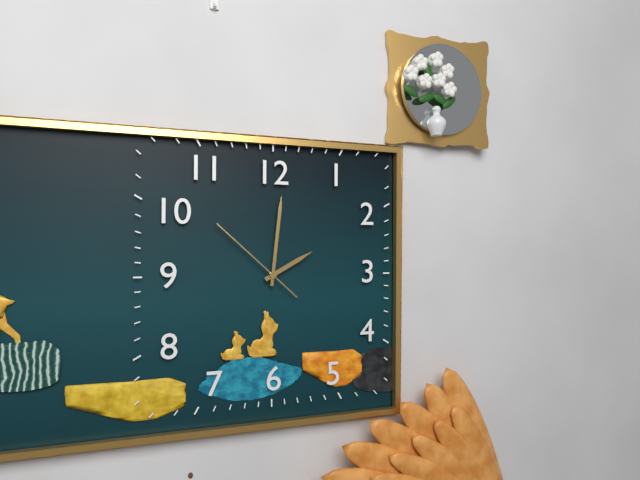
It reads 2,01,52
